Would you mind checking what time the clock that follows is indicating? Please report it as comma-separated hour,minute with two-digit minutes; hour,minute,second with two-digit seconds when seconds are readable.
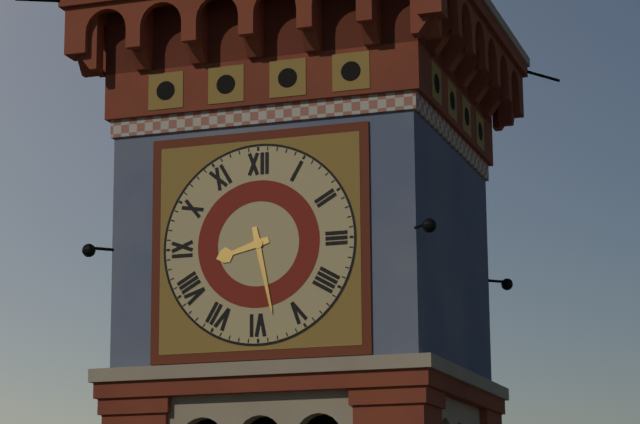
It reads 8,28
